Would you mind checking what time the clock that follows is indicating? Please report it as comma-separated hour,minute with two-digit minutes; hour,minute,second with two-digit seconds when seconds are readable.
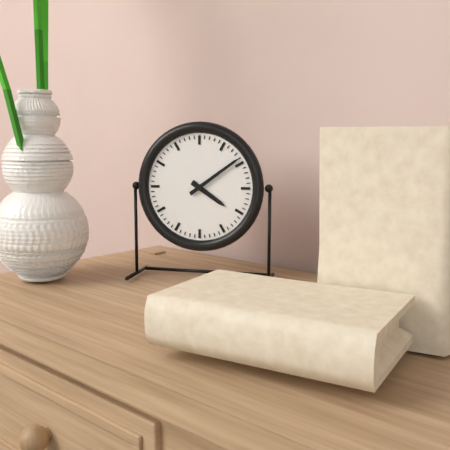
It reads 4,09
